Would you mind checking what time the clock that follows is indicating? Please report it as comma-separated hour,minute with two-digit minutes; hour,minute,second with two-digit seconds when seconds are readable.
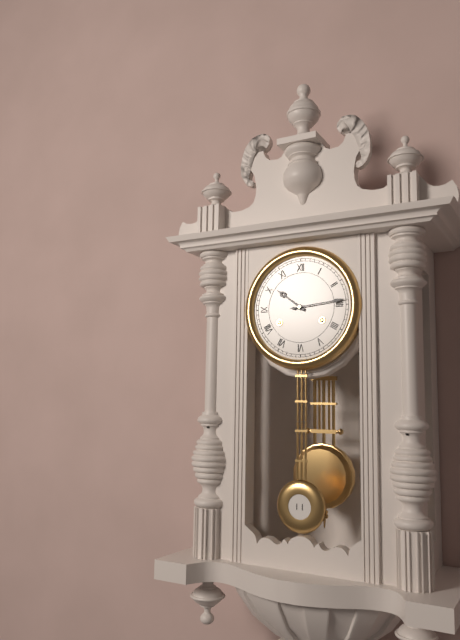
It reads 10,14
